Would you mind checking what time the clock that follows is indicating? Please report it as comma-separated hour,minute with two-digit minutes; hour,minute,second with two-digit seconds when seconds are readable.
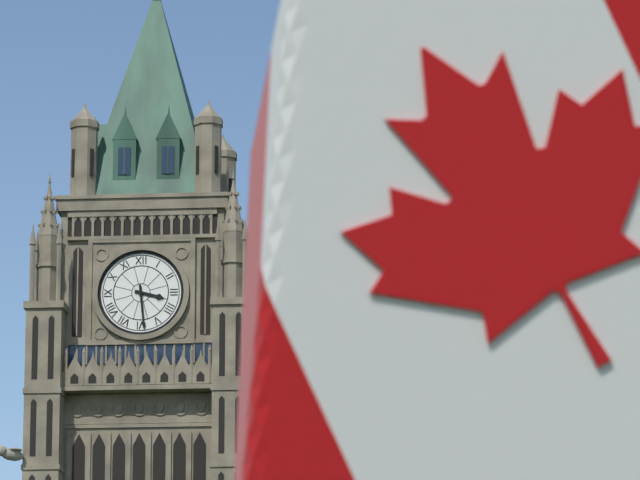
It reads 3,29
